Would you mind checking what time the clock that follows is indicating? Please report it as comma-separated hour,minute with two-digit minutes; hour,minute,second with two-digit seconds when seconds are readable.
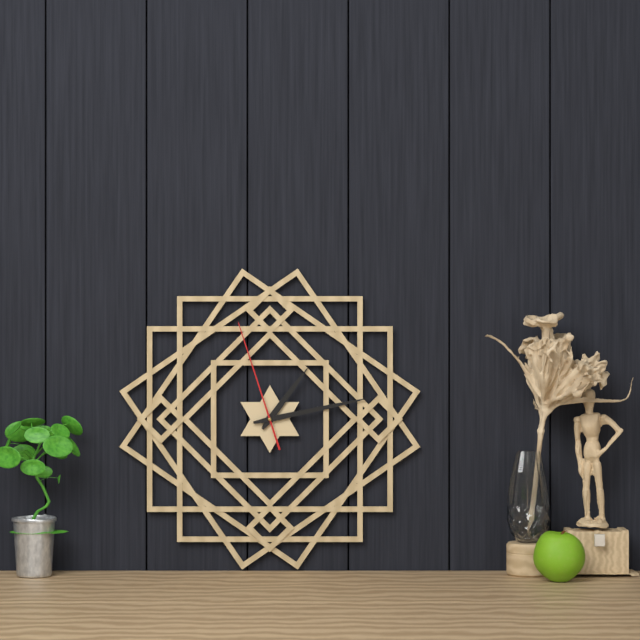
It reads 1,13,57
